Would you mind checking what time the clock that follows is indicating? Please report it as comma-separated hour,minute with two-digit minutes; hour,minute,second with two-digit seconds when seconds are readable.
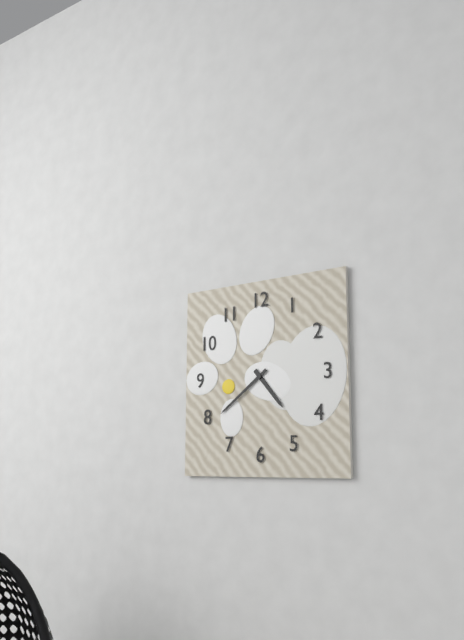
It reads 4,39
